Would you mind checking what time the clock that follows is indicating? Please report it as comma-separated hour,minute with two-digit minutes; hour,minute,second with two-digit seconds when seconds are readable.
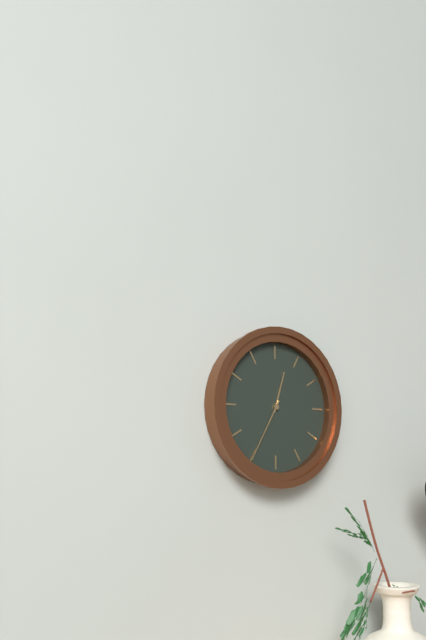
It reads 12,35
